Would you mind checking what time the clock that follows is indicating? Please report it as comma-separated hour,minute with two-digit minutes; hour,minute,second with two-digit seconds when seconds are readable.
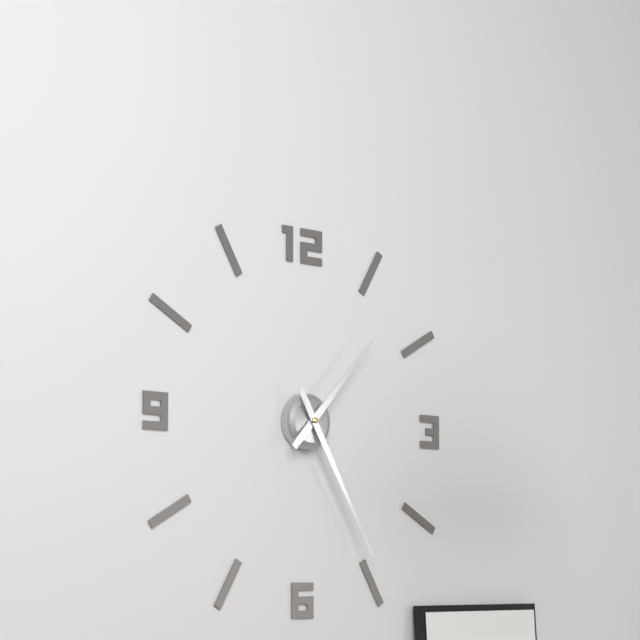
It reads 1,25
